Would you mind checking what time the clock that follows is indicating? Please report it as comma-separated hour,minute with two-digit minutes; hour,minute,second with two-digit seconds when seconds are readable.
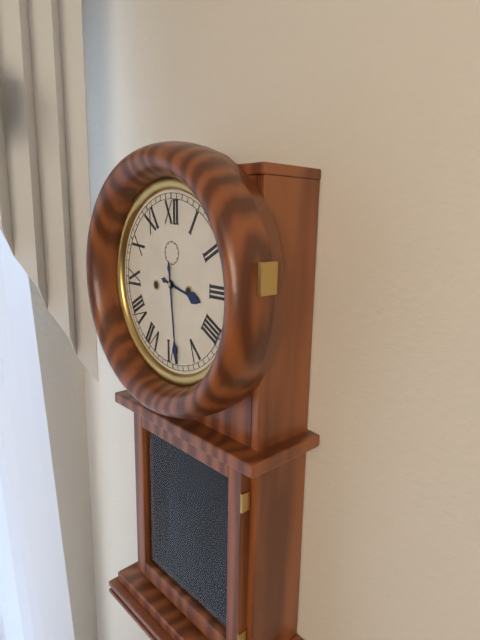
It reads 3,29
